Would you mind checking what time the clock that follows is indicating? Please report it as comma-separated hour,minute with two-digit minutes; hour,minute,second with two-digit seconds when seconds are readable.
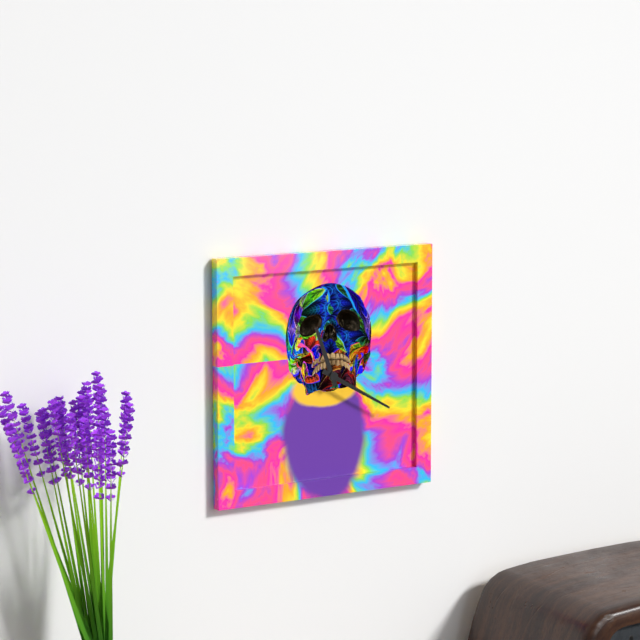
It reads 11,20
